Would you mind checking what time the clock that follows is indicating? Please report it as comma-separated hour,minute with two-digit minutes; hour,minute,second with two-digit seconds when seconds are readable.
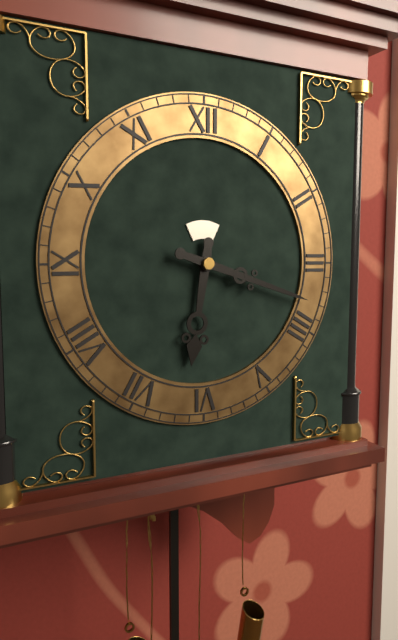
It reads 6,18
